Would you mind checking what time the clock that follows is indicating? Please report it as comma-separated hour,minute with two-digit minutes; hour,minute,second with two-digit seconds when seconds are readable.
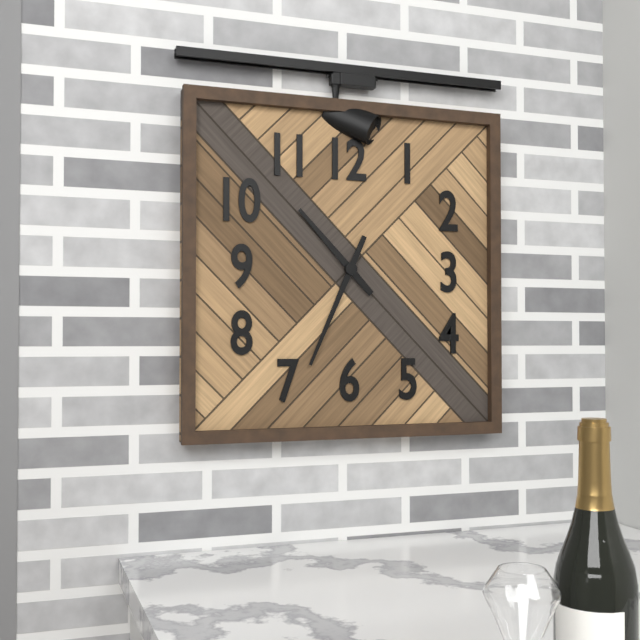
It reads 10,34
